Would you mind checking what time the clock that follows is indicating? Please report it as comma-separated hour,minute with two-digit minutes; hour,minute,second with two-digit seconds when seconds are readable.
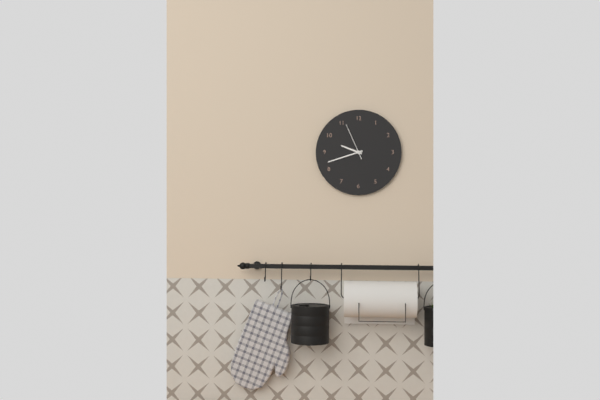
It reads 9,42
